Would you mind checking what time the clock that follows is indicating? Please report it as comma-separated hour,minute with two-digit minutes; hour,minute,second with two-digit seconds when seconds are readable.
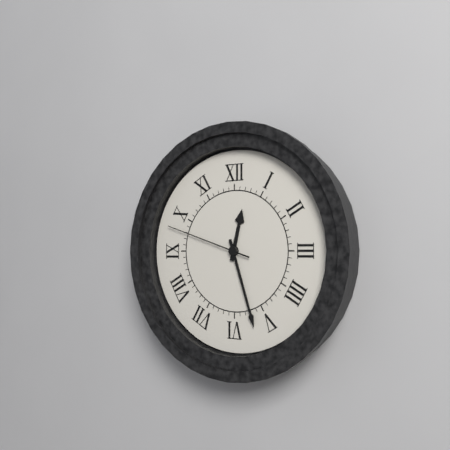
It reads 12,27,48
